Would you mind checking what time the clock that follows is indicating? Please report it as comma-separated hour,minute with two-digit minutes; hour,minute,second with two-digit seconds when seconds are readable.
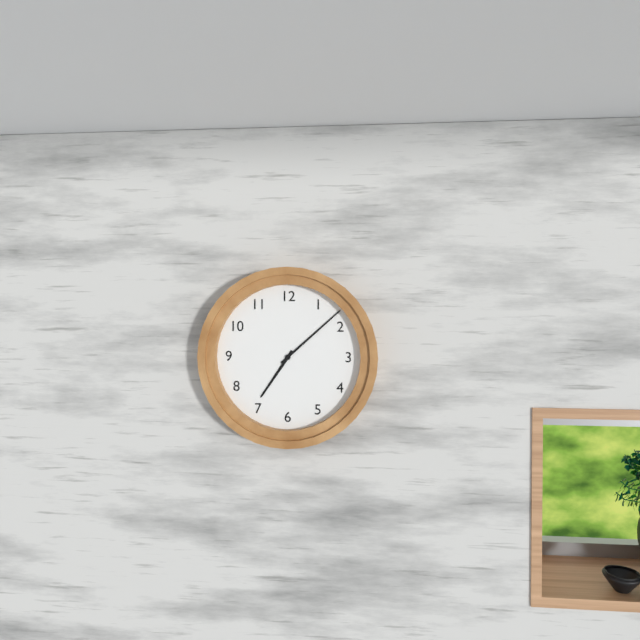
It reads 7,08
